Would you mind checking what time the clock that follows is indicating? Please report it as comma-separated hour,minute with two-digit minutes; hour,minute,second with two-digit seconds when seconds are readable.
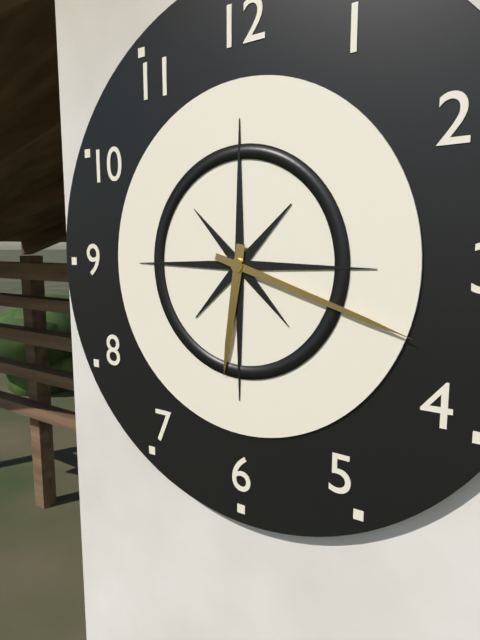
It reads 6,18
